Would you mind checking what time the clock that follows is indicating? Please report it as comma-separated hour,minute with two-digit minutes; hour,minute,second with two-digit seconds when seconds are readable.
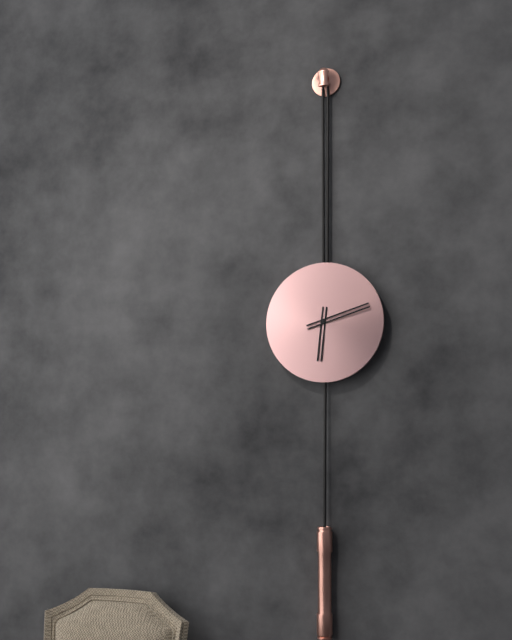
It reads 6,12
